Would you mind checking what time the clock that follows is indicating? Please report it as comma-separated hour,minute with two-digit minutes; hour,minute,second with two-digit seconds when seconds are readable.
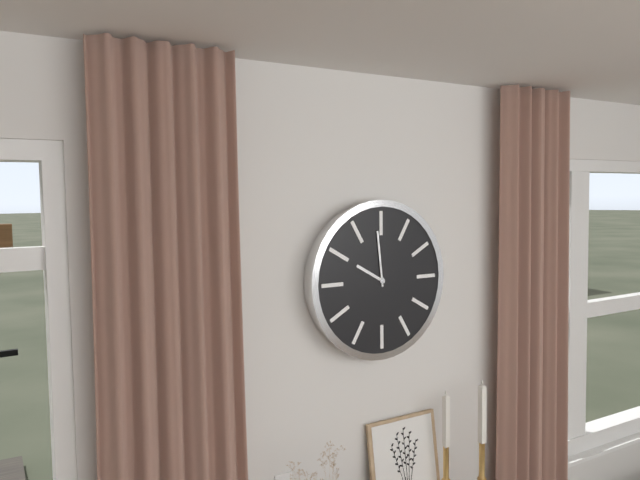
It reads 9,59
